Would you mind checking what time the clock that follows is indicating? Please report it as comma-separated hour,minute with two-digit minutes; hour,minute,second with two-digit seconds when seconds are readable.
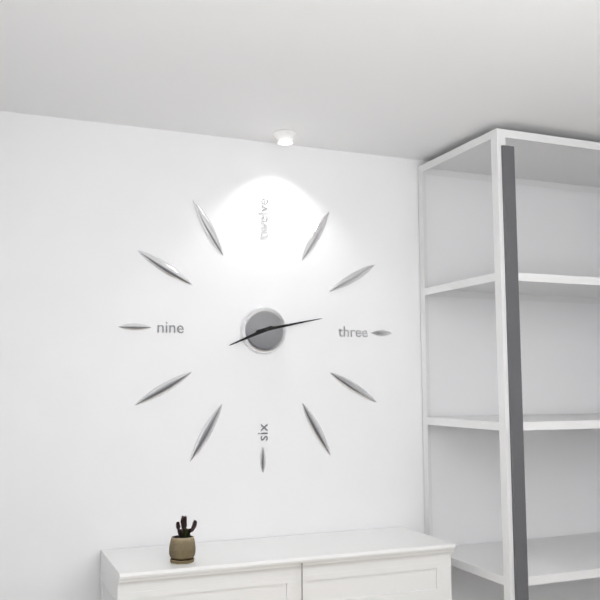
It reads 8,13
